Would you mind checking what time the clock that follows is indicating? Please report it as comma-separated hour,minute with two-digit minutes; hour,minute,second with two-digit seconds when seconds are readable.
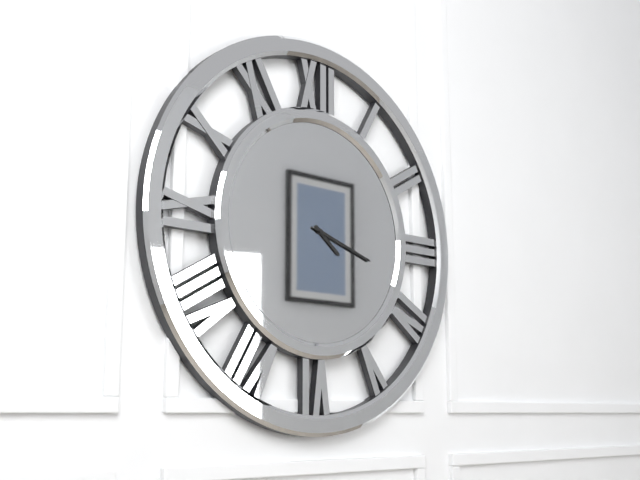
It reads 4,18
